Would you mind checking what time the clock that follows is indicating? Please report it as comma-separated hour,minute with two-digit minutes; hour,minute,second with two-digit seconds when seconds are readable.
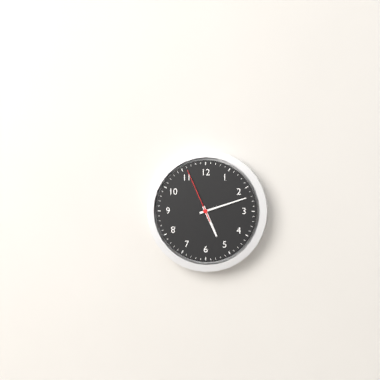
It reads 5,12,56
